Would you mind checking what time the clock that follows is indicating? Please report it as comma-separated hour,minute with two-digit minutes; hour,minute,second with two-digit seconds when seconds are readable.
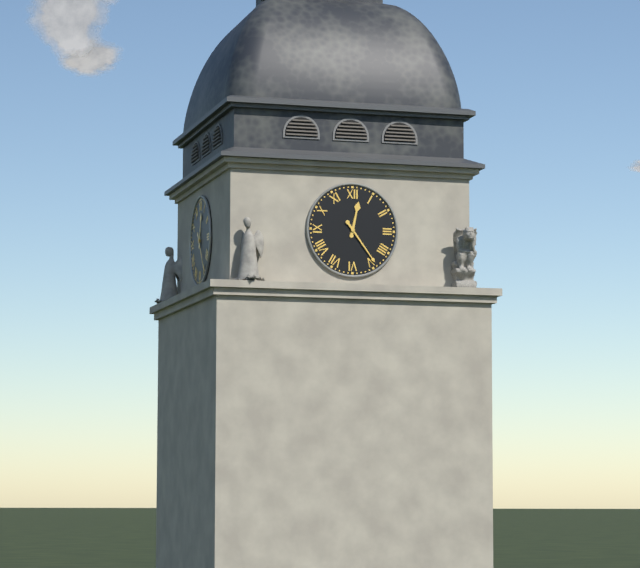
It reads 12,24
